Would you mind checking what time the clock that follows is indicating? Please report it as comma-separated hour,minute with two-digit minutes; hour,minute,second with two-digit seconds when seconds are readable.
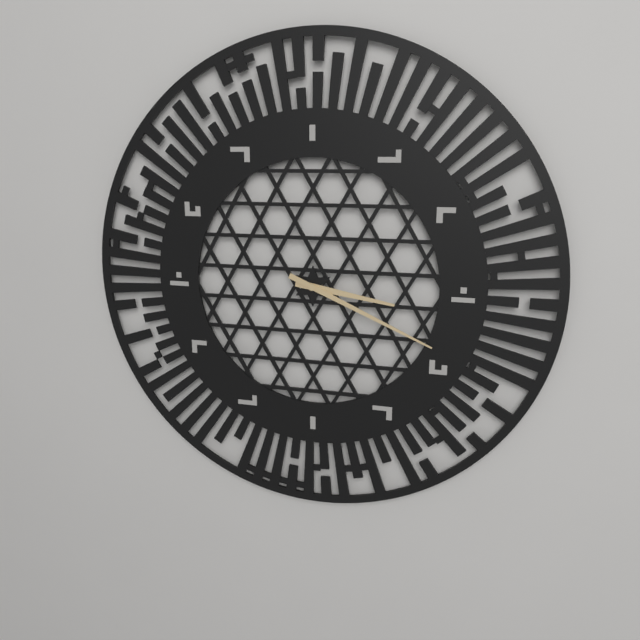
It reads 3,19
